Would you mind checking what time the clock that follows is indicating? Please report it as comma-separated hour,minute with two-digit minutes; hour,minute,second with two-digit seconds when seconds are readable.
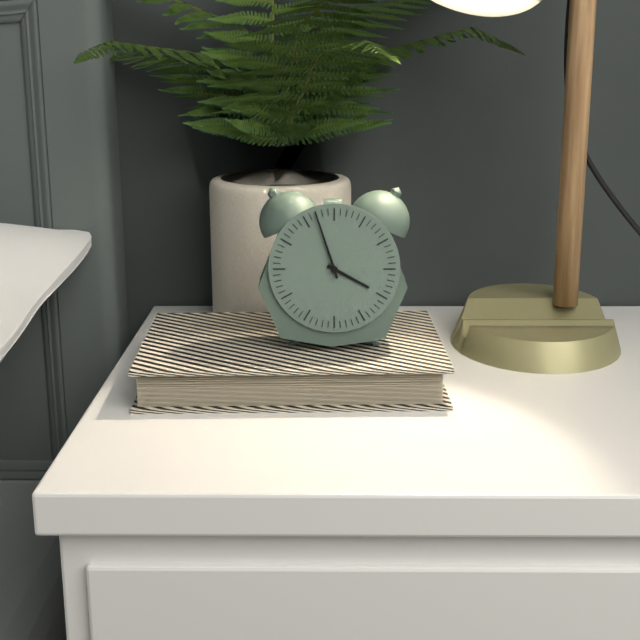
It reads 3,57
